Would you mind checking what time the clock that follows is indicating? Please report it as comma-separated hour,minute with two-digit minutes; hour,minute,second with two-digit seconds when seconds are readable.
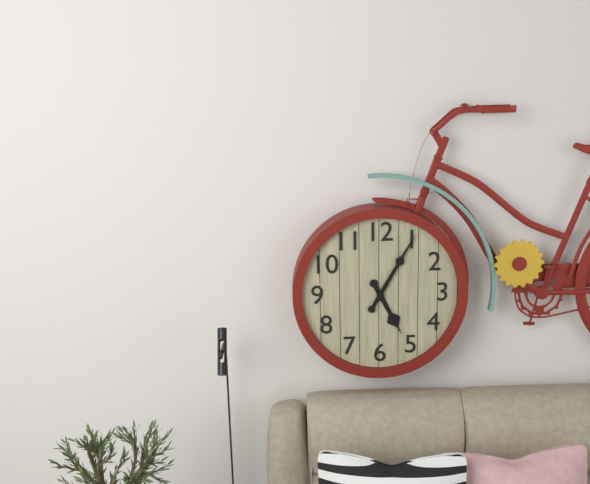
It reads 5,05
